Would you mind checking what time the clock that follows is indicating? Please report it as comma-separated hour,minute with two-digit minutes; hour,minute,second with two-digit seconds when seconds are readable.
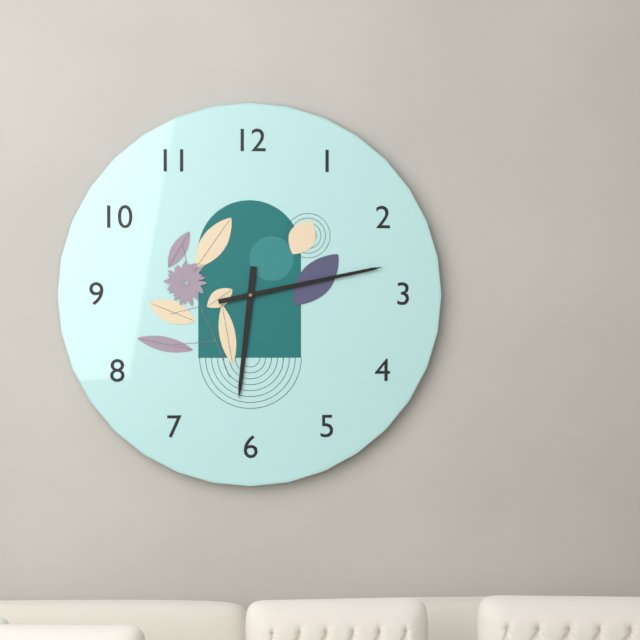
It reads 6,13
